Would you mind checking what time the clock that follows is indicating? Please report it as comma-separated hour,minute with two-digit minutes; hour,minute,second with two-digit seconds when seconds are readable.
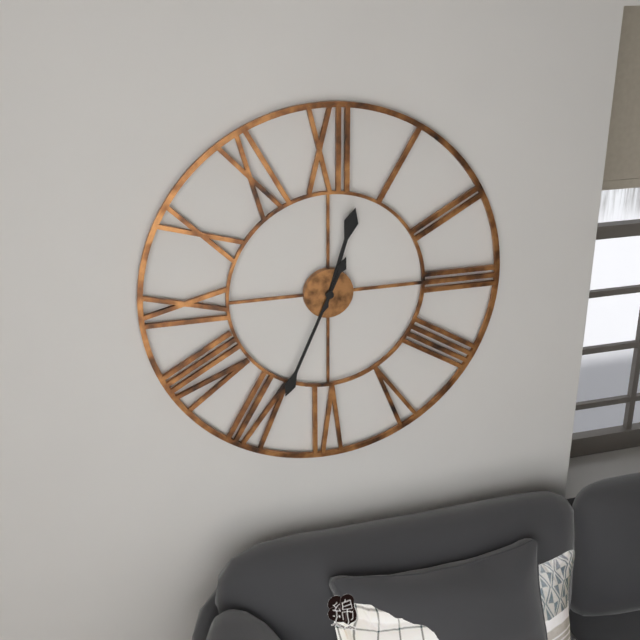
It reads 12,34
